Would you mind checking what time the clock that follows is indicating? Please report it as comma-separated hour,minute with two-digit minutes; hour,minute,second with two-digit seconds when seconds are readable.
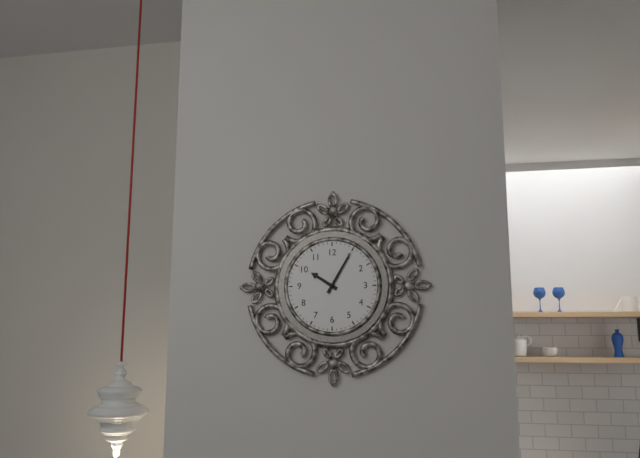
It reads 10,05
